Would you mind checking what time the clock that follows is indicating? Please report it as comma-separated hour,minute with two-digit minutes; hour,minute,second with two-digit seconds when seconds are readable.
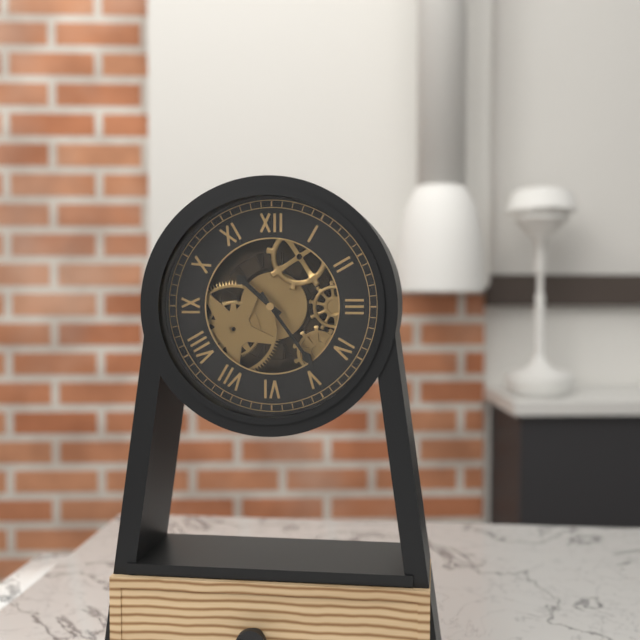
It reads 10,24
